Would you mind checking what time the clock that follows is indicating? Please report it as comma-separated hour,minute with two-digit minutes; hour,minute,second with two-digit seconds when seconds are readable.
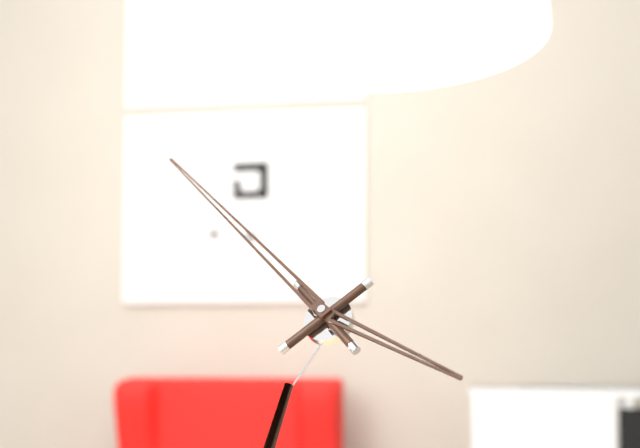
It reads 3,52
